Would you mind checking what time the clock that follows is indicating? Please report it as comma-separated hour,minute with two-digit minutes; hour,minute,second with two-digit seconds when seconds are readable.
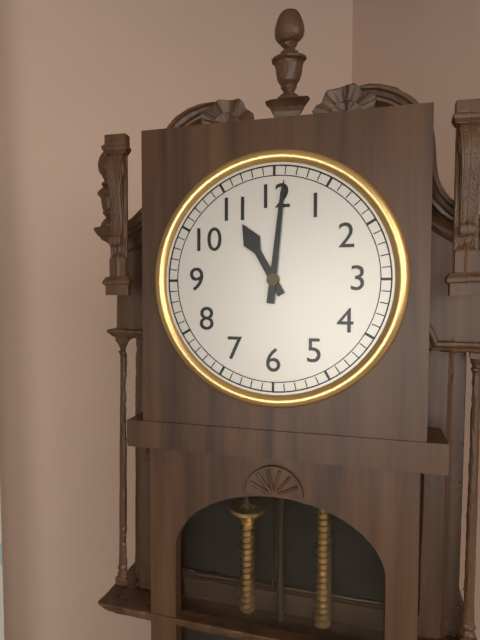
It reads 11,01
